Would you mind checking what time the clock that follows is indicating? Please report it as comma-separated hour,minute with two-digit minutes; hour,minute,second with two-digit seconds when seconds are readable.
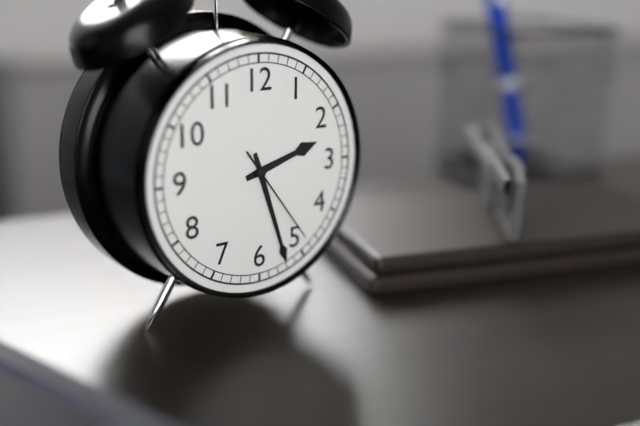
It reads 2,27,24
